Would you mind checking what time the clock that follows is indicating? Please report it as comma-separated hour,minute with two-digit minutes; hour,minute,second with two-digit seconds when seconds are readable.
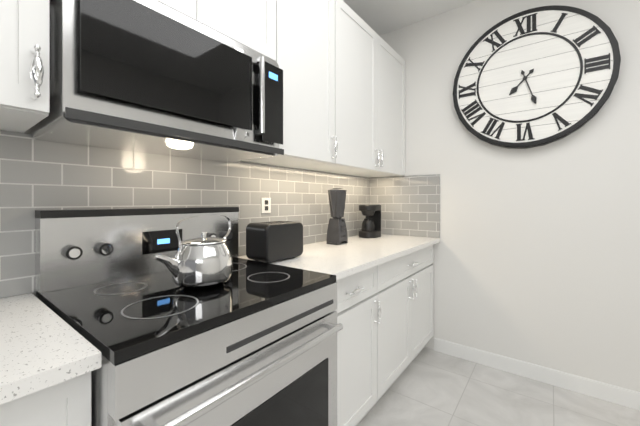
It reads 7,27
